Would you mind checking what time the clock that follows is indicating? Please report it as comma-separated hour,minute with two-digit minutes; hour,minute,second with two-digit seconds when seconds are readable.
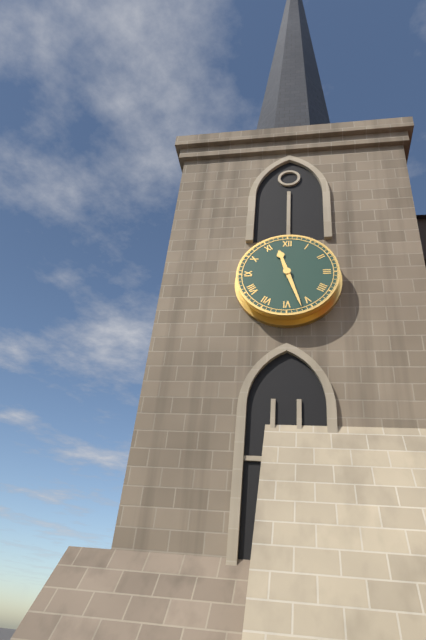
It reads 11,27
